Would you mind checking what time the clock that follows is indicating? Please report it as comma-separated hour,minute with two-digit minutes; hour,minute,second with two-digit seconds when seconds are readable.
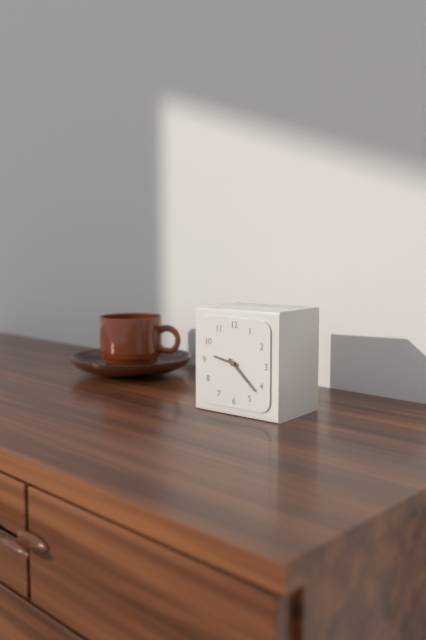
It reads 9,22
